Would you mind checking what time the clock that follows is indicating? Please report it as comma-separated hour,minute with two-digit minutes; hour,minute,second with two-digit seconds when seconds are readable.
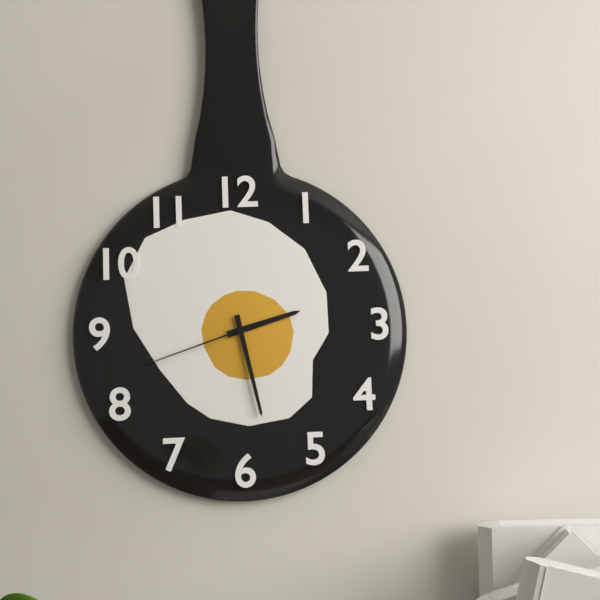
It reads 2,28,42
